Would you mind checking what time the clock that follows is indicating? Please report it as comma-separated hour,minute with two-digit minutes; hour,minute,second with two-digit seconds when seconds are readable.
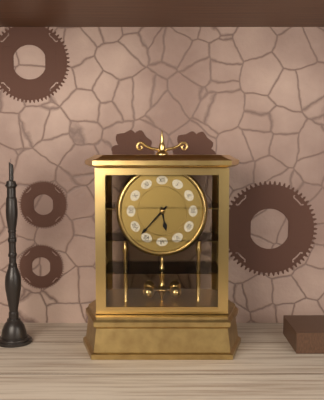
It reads 5,37
